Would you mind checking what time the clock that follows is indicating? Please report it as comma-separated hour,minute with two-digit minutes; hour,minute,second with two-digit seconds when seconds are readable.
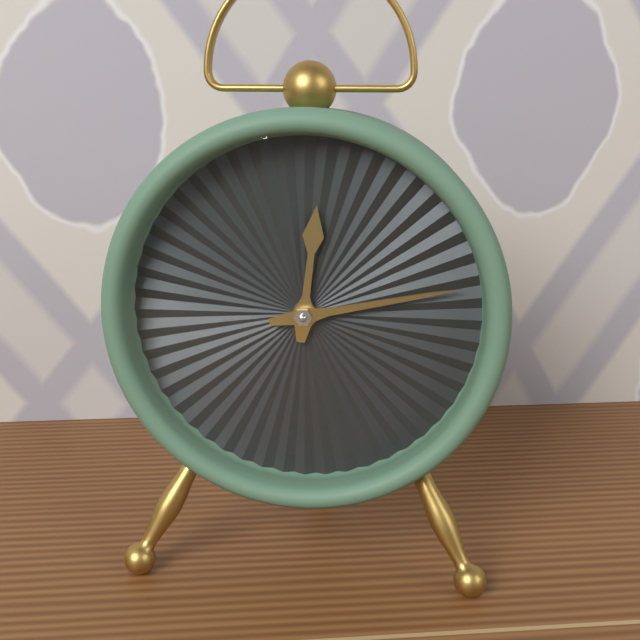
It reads 12,13
